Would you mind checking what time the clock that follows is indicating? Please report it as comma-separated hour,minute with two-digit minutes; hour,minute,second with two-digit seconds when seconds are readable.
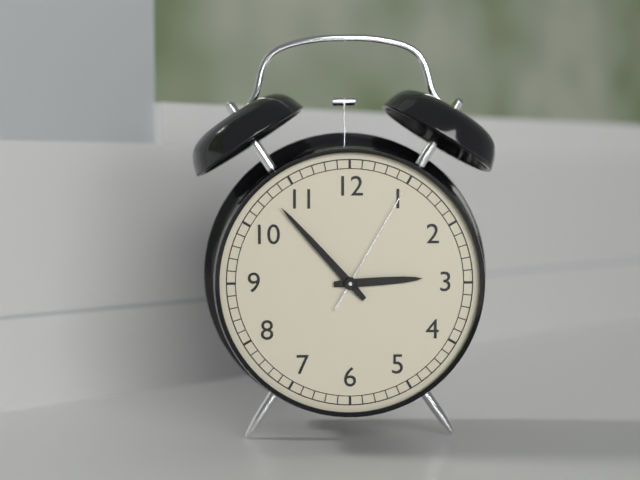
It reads 2,53,05
